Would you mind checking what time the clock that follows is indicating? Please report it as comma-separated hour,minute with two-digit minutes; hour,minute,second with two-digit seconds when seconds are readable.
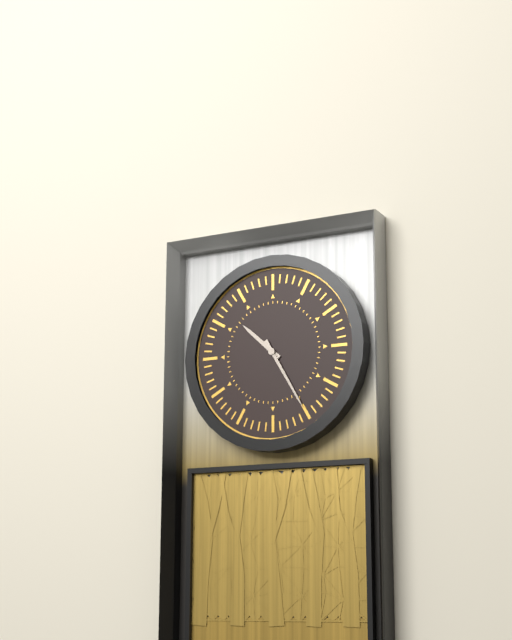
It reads 10,25
